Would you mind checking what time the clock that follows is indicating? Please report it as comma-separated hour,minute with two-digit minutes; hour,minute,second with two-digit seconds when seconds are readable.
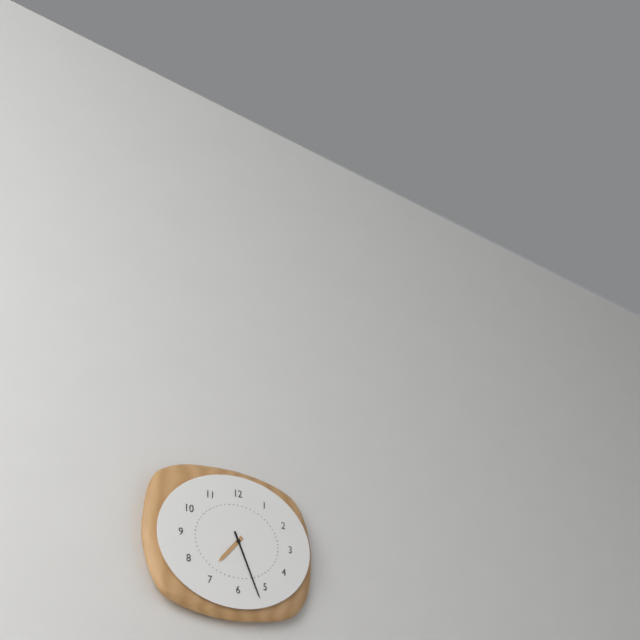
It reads 7,26
